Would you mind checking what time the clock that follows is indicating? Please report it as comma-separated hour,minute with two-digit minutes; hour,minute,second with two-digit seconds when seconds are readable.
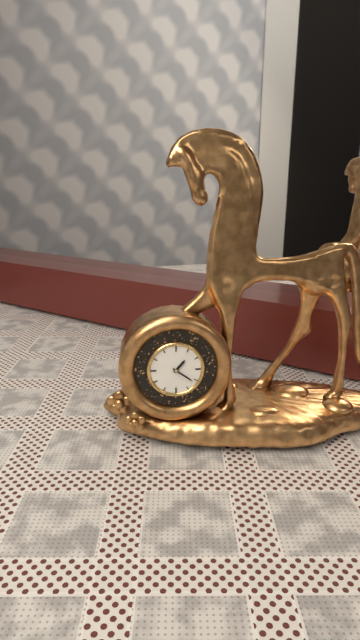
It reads 1,21
